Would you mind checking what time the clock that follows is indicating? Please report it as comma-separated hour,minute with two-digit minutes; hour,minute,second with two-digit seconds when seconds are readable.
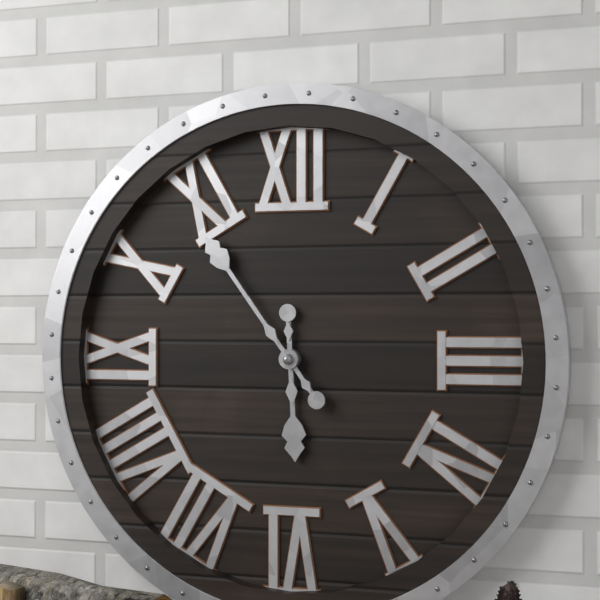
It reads 5,54
